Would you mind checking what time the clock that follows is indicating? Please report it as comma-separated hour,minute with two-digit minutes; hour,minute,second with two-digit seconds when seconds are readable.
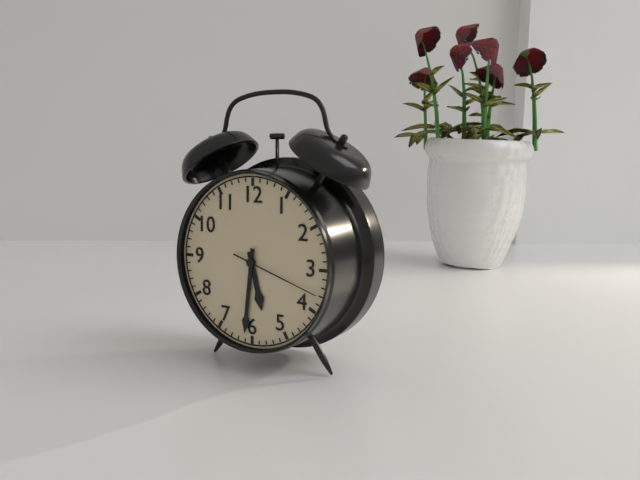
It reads 5,31,18
